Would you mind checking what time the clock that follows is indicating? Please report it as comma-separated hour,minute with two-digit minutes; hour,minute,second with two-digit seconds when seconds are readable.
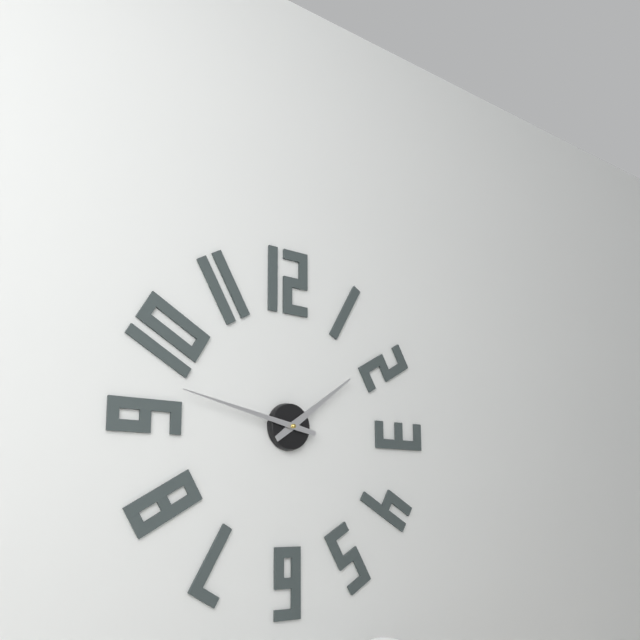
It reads 1,47
